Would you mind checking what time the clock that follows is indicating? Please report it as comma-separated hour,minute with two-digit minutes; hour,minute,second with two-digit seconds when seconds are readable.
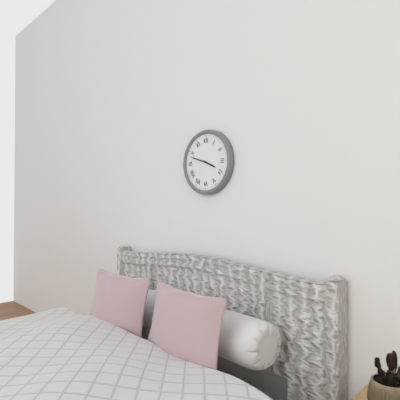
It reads 3,48
